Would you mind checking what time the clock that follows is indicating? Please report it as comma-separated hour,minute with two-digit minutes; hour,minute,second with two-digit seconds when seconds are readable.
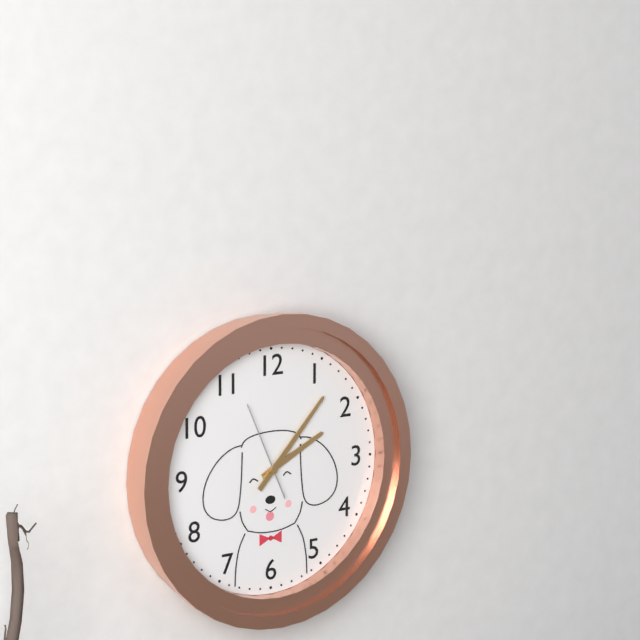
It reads 2,07,56
